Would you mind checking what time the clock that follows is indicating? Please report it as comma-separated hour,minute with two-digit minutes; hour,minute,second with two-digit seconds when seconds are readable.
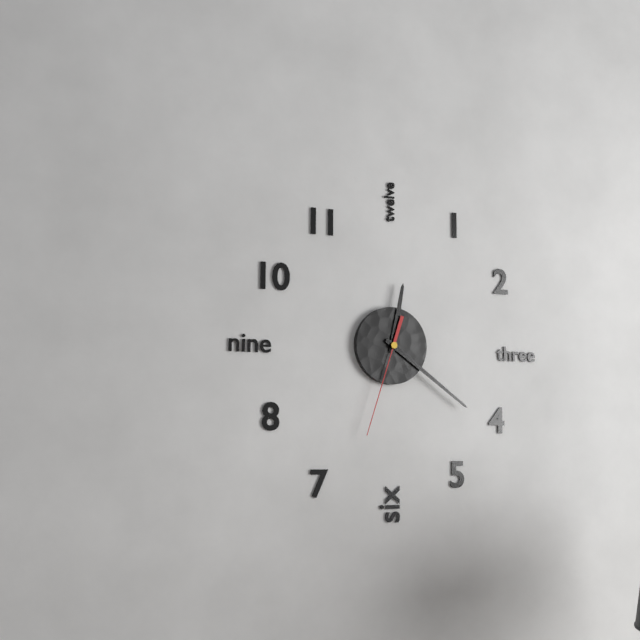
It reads 12,21,33
